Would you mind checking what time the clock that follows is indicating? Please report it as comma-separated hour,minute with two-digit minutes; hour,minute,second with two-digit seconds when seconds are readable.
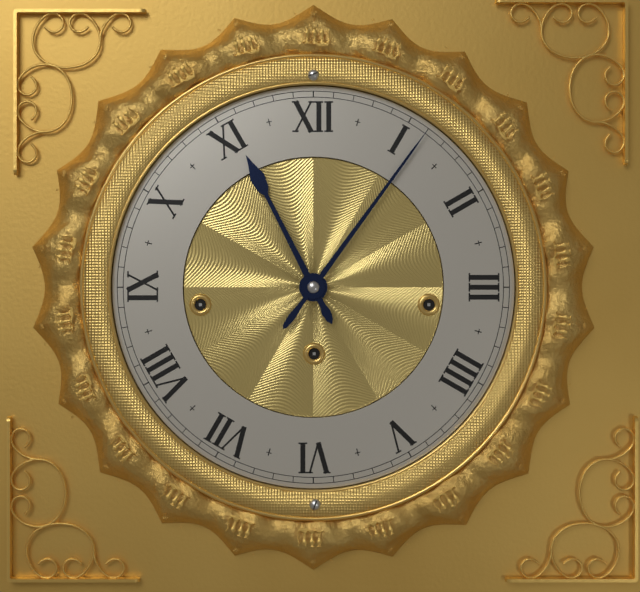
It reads 11,06
